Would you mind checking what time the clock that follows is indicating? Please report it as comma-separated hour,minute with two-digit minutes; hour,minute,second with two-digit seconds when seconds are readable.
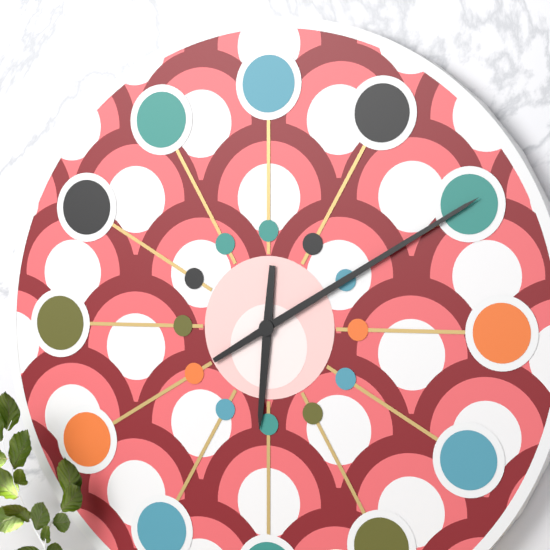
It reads 6,10
